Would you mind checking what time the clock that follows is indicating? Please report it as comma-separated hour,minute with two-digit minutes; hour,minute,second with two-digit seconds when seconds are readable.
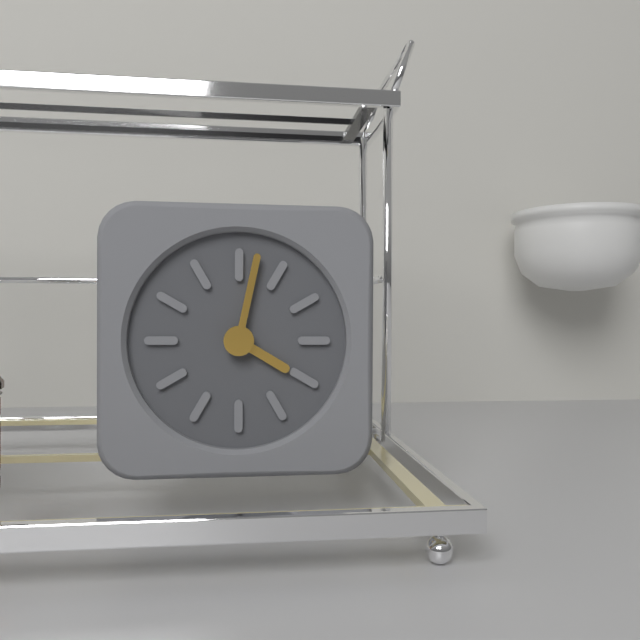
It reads 4,02
